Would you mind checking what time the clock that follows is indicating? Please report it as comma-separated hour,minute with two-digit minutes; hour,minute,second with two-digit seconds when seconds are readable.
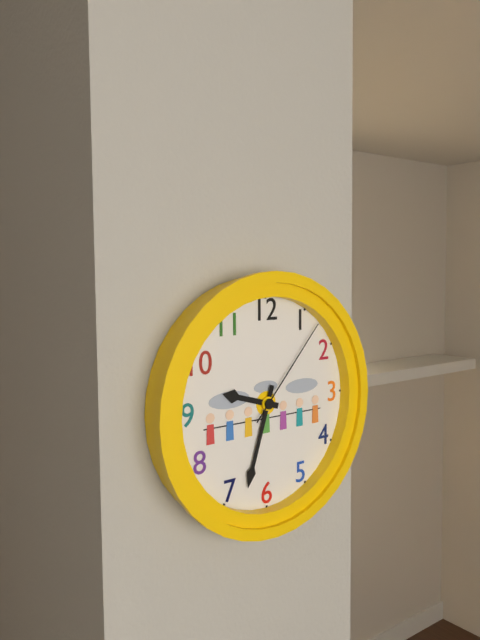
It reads 9,33,07
